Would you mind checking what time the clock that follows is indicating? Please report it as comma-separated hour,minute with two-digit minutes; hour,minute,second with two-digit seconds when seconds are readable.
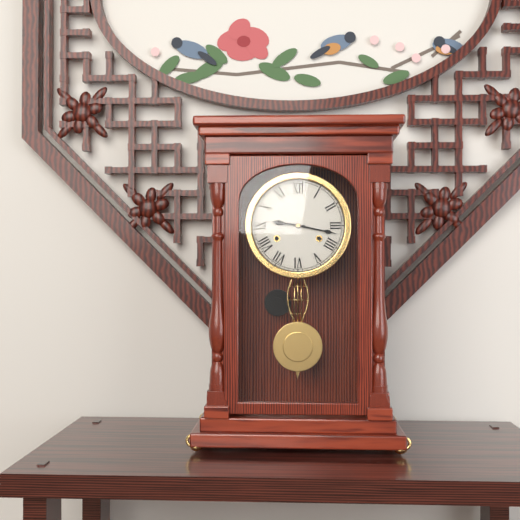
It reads 9,17
